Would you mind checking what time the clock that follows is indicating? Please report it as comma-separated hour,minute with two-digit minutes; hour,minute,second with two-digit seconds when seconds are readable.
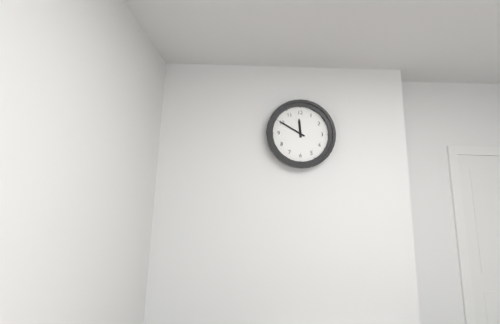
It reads 11,50
